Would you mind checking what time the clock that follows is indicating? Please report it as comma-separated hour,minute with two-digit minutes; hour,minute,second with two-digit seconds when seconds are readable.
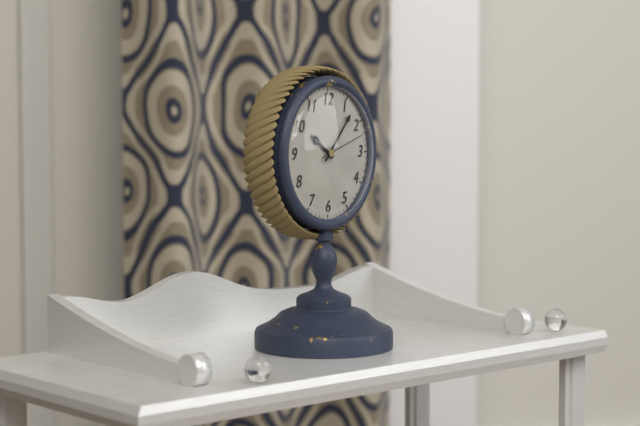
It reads 10,07
